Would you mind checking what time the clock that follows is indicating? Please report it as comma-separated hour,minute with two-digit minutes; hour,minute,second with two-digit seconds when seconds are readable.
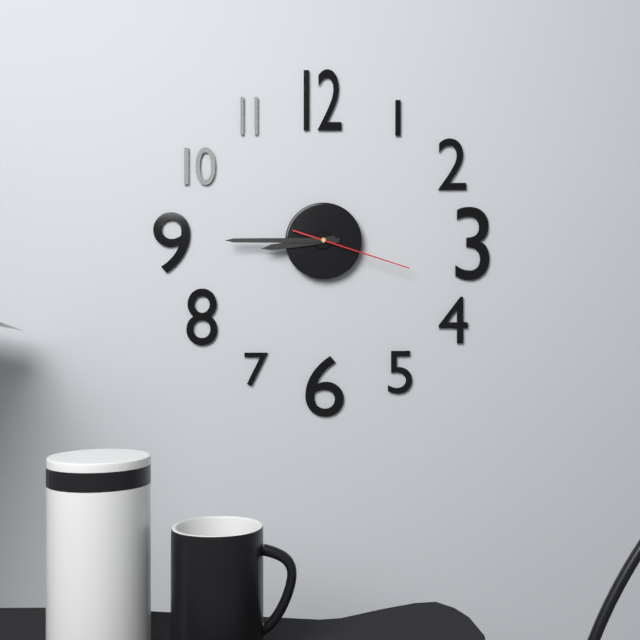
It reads 8,45,18
